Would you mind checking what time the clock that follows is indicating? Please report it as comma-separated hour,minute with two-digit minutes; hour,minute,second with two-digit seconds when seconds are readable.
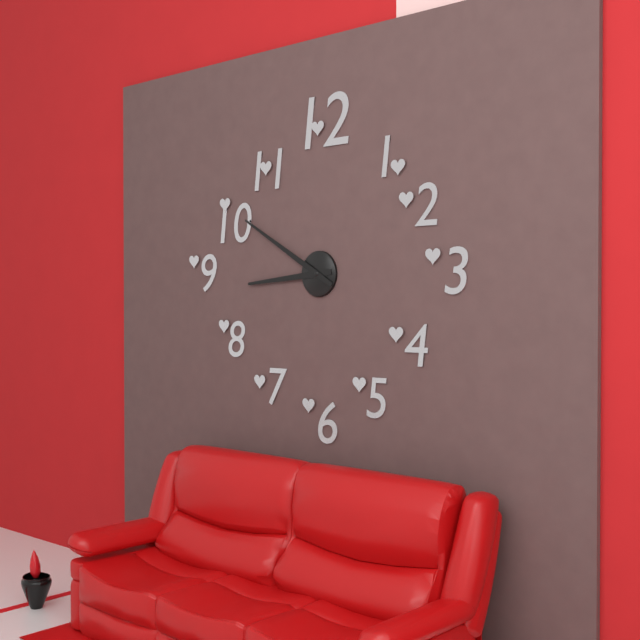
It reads 8,50
